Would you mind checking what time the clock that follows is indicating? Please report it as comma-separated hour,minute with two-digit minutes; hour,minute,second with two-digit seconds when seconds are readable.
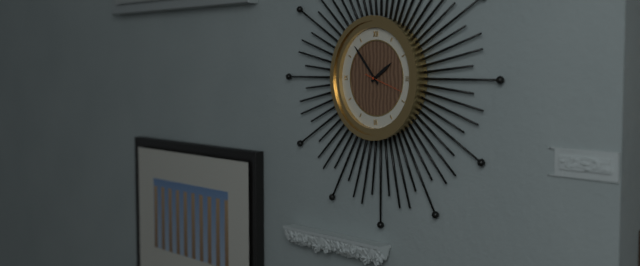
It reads 1,53
